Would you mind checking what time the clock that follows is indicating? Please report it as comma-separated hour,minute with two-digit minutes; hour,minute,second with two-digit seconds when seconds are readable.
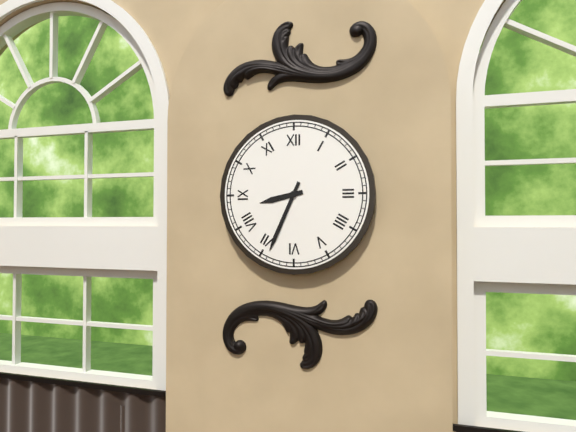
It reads 8,34
